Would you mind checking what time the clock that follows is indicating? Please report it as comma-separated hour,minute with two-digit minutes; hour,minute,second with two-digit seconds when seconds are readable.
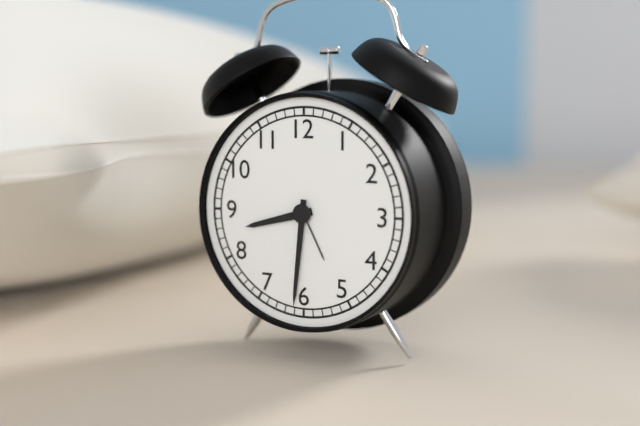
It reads 8,31
